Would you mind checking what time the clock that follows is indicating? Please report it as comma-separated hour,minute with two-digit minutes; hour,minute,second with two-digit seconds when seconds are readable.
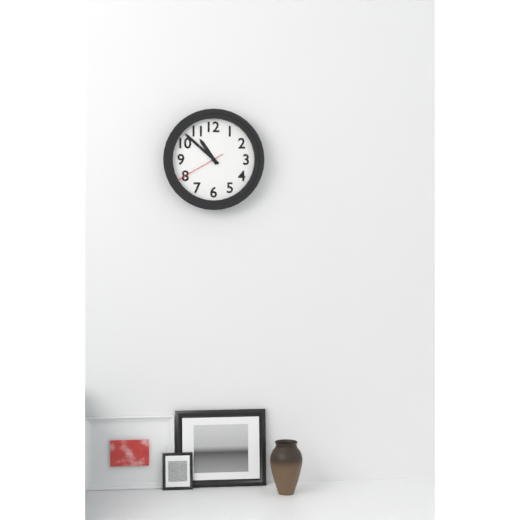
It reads 10,52,40
